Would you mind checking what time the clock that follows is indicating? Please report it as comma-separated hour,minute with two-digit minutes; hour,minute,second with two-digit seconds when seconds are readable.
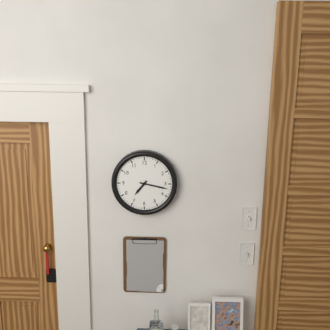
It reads 7,17
